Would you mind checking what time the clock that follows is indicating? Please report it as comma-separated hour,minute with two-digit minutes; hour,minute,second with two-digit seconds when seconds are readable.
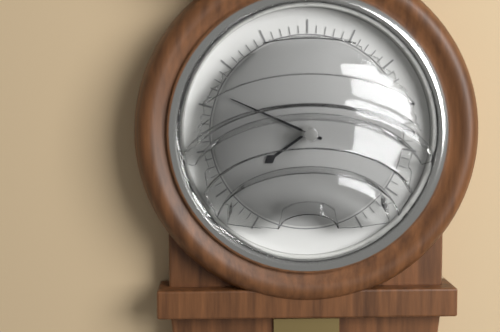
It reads 7,49
